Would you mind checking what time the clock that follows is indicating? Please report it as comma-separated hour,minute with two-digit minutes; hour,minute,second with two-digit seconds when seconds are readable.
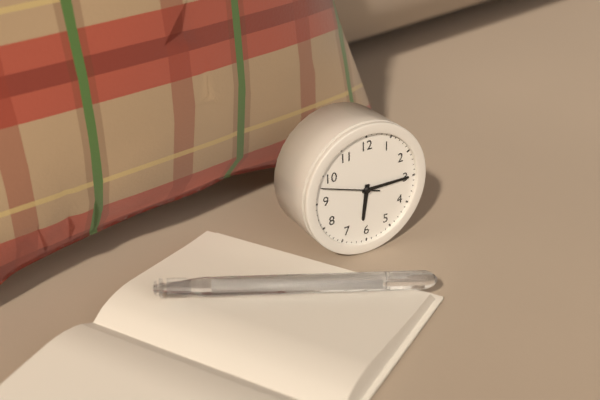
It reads 6,15,48
